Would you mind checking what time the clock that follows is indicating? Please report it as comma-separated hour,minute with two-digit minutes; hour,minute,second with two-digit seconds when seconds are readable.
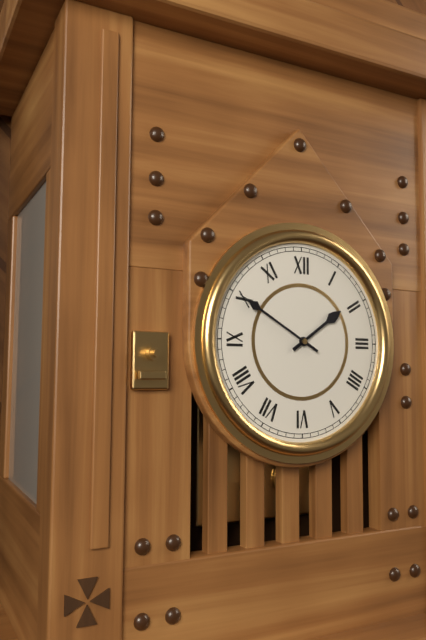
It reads 1,50
